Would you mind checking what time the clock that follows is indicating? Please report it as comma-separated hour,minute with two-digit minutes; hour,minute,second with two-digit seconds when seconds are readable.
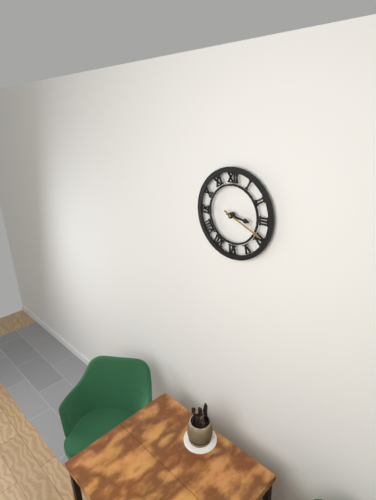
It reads 3,19
